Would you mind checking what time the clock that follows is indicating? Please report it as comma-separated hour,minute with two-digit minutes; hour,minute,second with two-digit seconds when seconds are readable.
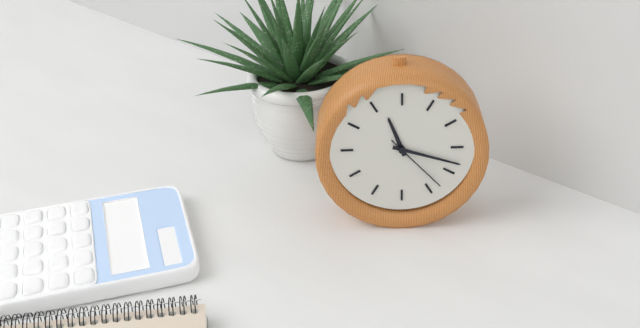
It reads 11,18,23
